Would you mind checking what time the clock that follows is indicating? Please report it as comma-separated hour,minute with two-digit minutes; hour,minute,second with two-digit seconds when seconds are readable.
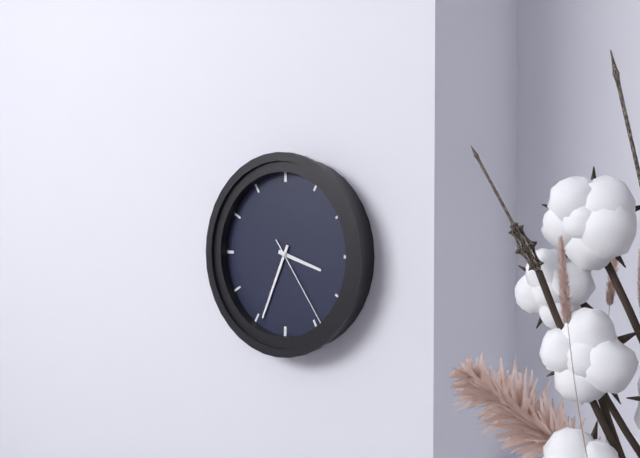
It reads 3,34,24
